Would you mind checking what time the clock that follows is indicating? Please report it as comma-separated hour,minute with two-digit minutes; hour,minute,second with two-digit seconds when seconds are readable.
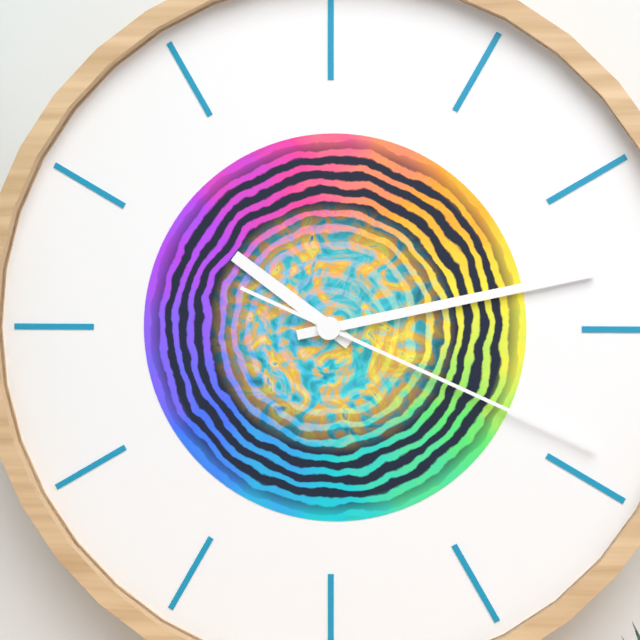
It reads 10,13,19
